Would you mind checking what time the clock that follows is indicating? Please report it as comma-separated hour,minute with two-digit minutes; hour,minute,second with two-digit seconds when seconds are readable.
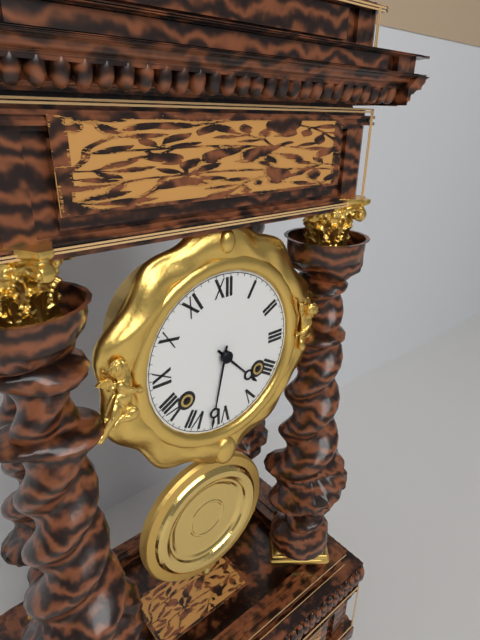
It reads 4,32
